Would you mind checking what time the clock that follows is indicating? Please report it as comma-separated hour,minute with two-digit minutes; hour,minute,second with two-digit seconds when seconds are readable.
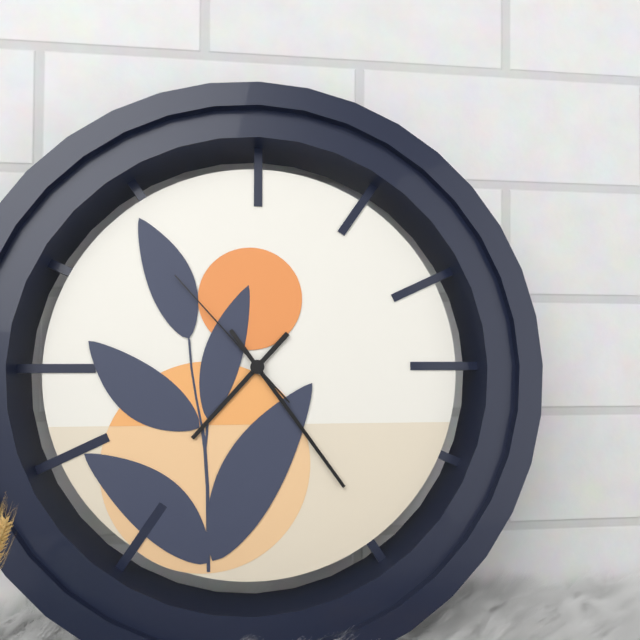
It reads 7,24,53
